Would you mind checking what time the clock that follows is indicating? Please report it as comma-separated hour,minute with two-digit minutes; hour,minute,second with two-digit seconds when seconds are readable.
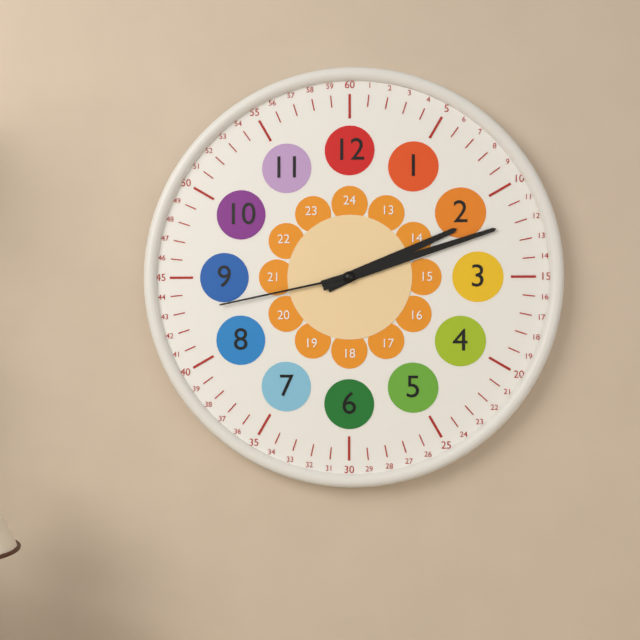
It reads 2,12,43
